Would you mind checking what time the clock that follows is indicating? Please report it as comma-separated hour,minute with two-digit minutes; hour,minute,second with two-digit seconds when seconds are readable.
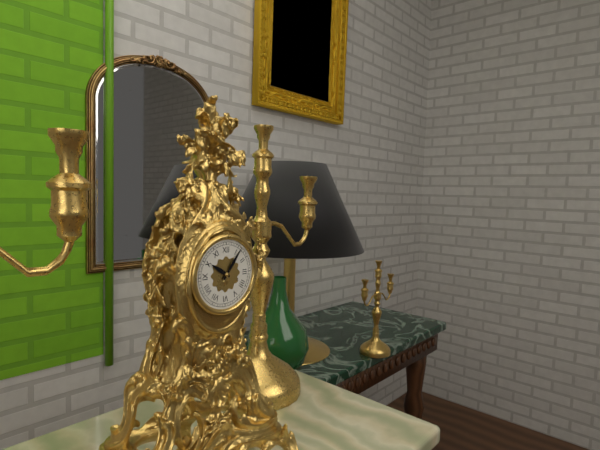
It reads 10,06
